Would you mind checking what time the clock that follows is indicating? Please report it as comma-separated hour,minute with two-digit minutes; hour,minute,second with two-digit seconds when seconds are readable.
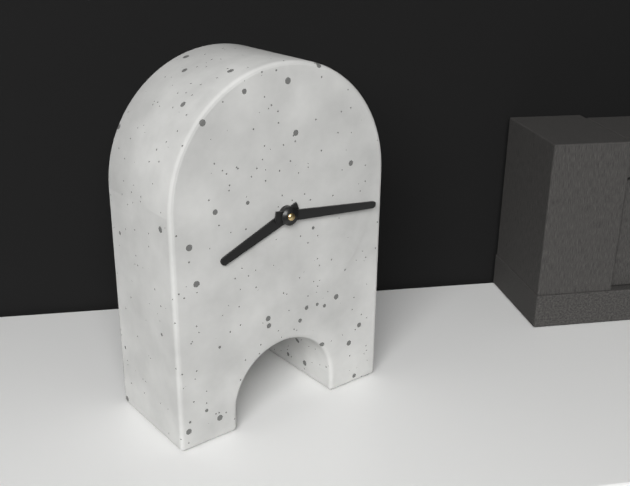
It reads 8,16
